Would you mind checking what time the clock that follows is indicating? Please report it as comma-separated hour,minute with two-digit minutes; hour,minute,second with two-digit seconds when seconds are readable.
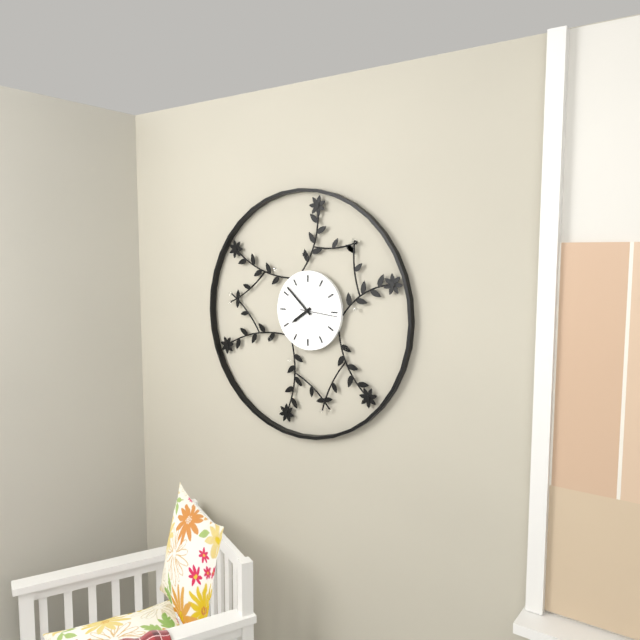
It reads 7,52
